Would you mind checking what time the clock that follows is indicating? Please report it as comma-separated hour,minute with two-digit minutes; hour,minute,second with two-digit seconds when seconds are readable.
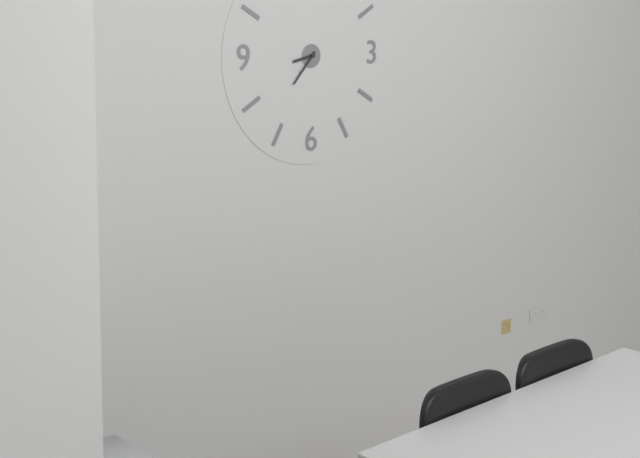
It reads 8,37
